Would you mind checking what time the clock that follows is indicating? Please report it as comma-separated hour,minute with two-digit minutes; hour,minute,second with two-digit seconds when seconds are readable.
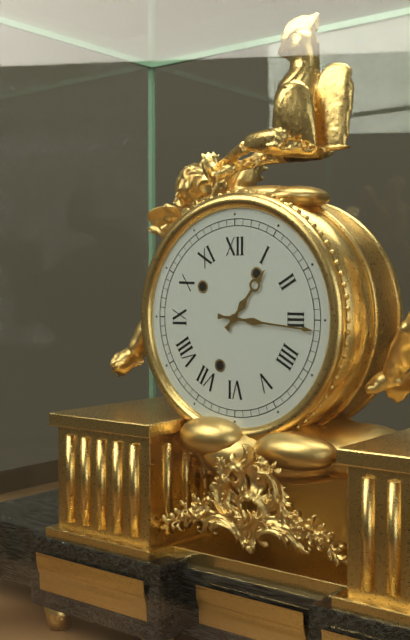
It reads 1,16
